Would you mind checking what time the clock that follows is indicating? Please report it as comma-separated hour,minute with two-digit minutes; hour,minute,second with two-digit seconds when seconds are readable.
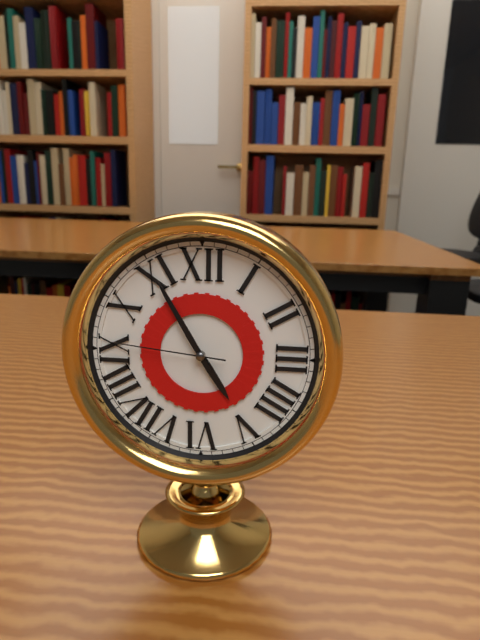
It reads 4,55,46
